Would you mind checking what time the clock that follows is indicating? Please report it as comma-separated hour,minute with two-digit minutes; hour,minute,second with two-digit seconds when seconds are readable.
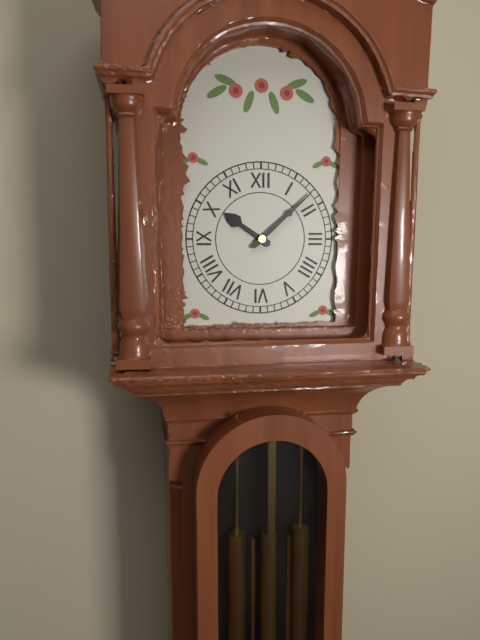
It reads 10,08
